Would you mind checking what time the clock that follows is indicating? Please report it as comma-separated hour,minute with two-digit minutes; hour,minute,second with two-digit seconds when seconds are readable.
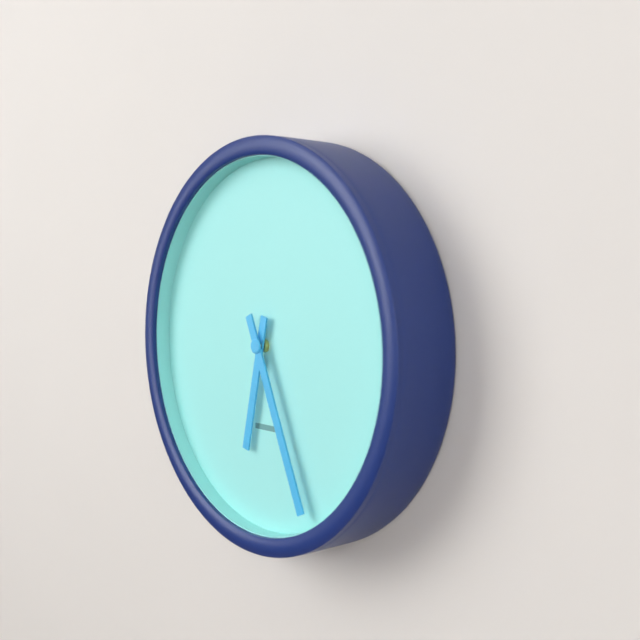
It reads 6,26
